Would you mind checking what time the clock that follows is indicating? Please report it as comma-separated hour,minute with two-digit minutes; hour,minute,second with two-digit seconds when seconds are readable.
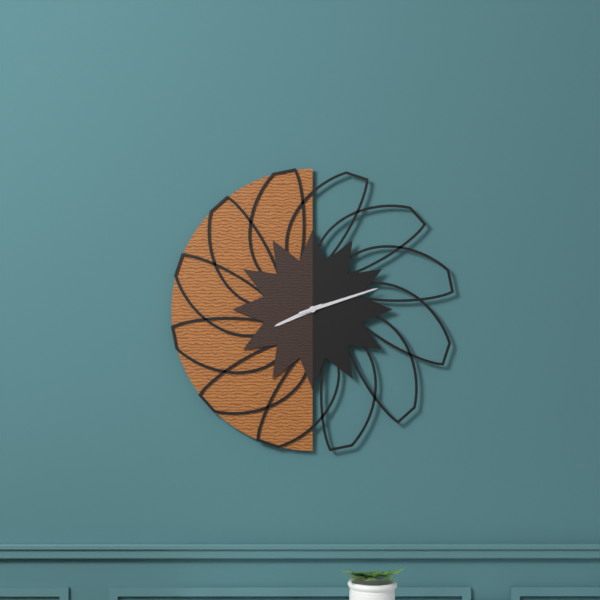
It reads 8,12
